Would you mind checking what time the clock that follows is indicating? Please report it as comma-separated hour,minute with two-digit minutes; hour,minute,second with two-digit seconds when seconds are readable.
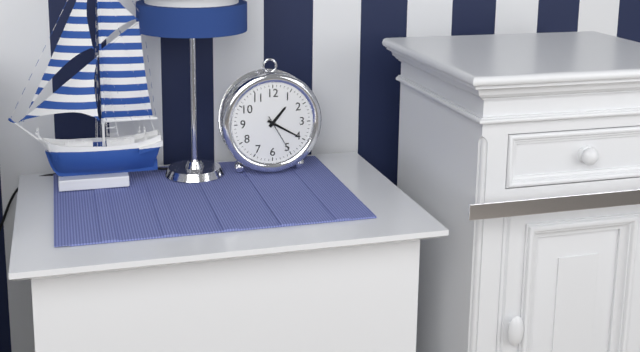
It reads 1,20
